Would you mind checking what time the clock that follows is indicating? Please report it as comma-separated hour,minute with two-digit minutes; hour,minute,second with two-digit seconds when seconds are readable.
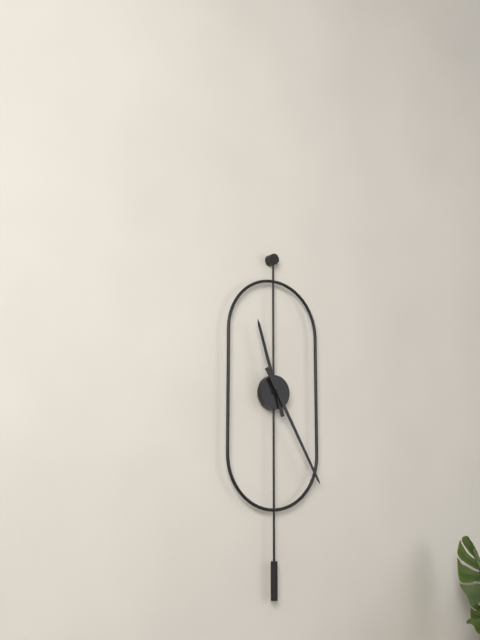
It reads 11,25
